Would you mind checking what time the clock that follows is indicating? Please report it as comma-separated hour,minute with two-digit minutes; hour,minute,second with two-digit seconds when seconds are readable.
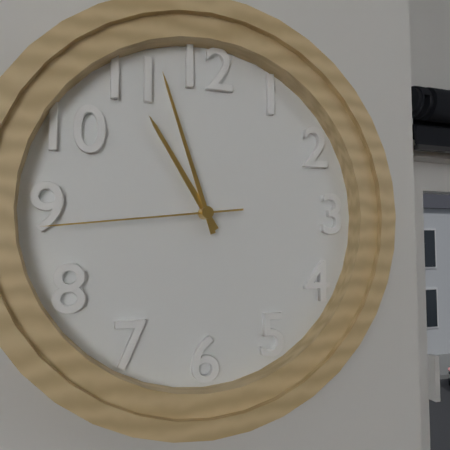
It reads 10,57,44
